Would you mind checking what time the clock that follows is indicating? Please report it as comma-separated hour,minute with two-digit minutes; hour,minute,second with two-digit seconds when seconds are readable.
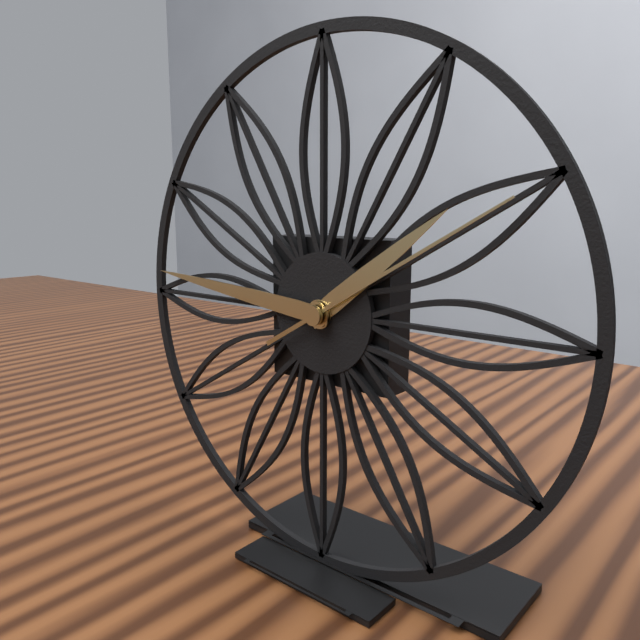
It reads 1,46,10
